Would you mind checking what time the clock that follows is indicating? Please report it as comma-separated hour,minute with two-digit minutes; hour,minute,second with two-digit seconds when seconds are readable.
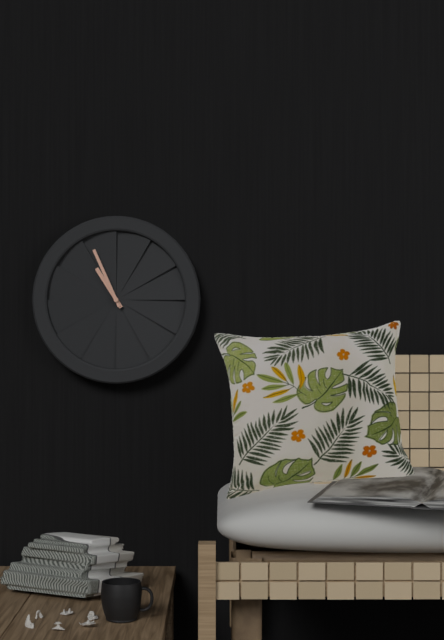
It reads 10,56
